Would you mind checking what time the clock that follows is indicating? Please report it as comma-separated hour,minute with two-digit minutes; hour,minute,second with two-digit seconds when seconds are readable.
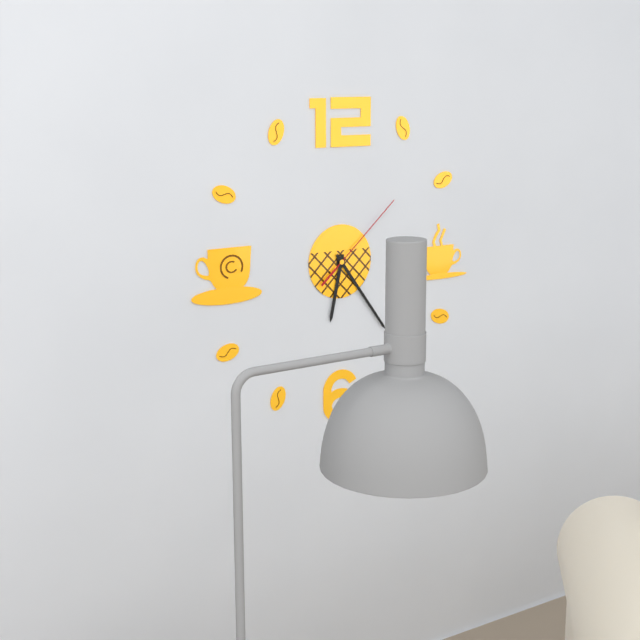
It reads 6,24,08
